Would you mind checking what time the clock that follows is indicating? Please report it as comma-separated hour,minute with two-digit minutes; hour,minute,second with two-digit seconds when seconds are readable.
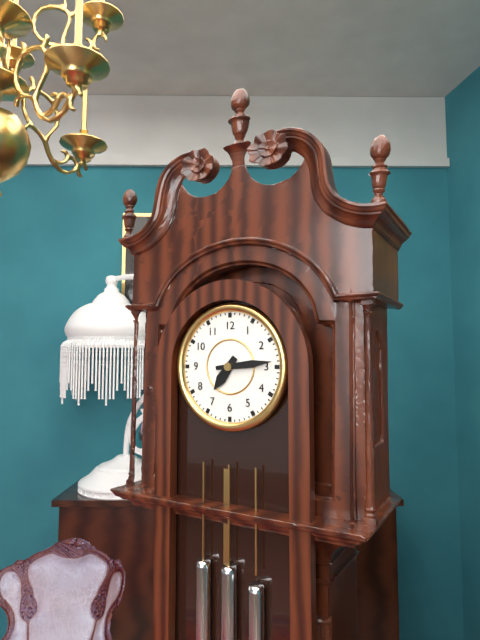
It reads 7,14
